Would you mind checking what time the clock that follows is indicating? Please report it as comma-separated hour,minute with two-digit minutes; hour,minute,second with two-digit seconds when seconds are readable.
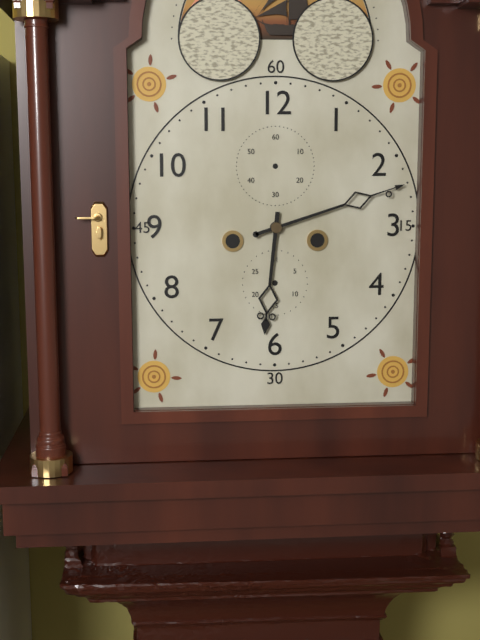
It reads 6,12
